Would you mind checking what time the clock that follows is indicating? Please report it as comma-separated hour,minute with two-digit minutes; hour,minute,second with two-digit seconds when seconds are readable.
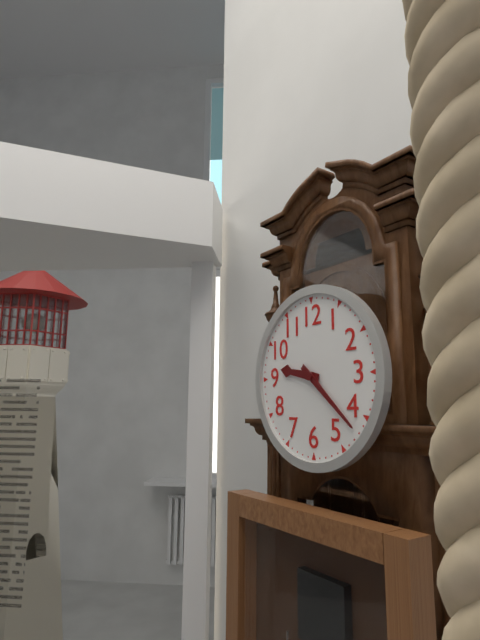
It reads 9,22
